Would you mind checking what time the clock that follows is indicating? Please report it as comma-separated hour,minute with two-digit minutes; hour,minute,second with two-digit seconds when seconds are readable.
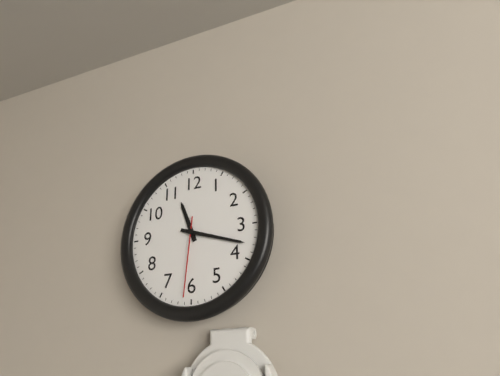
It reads 11,18,31
